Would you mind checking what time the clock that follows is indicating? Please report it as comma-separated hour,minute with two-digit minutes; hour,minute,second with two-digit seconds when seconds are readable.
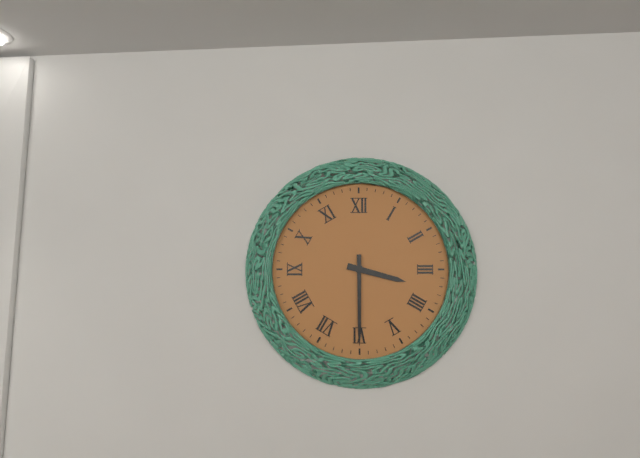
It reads 3,30
